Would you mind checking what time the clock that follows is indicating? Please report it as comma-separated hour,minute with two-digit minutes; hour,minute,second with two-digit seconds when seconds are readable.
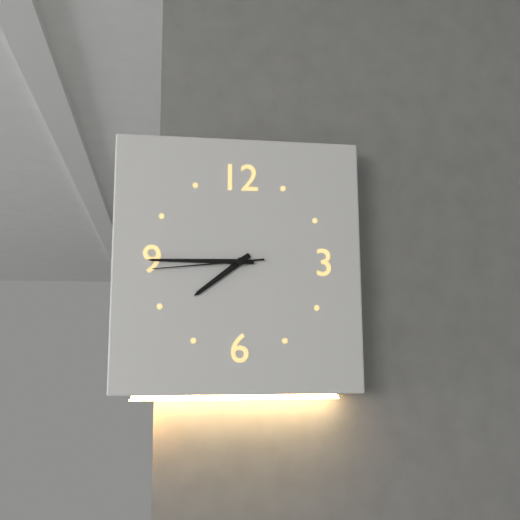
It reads 7,45,44
